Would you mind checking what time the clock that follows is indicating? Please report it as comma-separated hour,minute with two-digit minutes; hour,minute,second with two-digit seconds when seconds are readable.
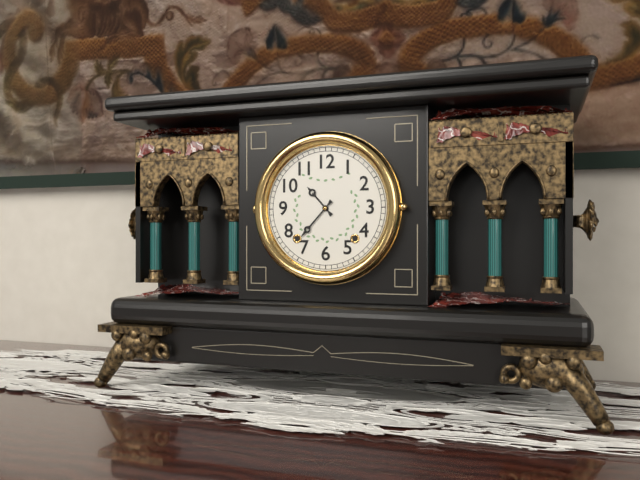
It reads 10,37
